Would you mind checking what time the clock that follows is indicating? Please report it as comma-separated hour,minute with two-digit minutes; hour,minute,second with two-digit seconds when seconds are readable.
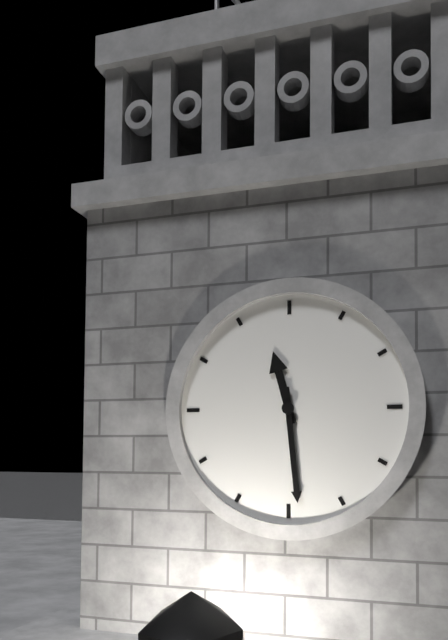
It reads 11,29
